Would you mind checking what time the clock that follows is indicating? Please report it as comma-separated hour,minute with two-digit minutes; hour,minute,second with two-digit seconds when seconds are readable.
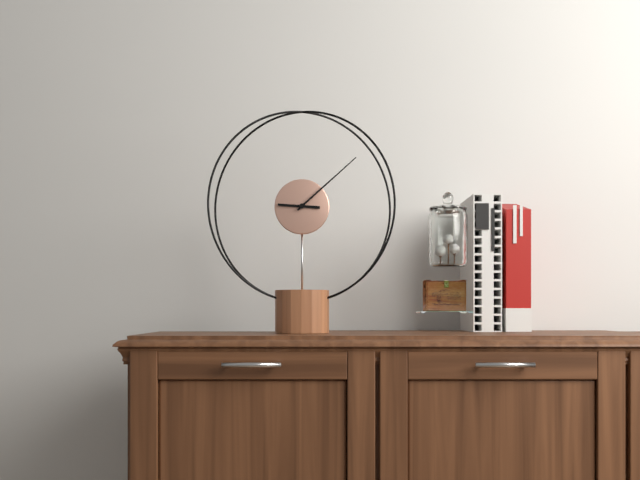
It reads 9,08
